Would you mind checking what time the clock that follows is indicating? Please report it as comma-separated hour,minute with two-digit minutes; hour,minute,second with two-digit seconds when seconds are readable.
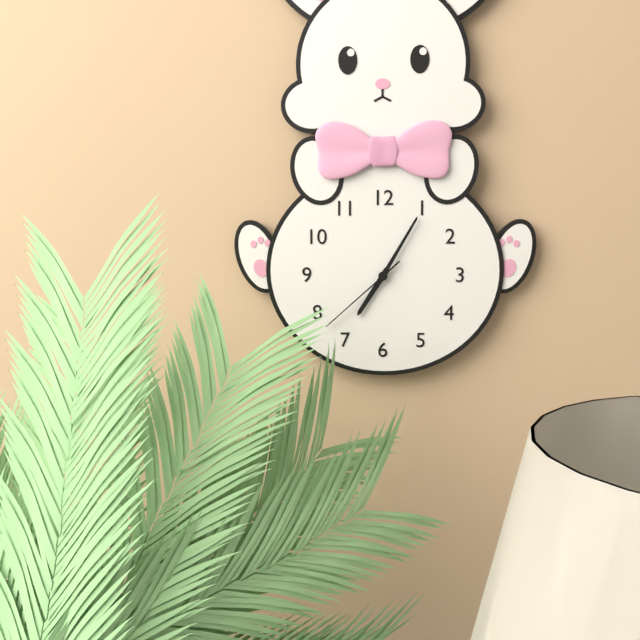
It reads 7,05,38
